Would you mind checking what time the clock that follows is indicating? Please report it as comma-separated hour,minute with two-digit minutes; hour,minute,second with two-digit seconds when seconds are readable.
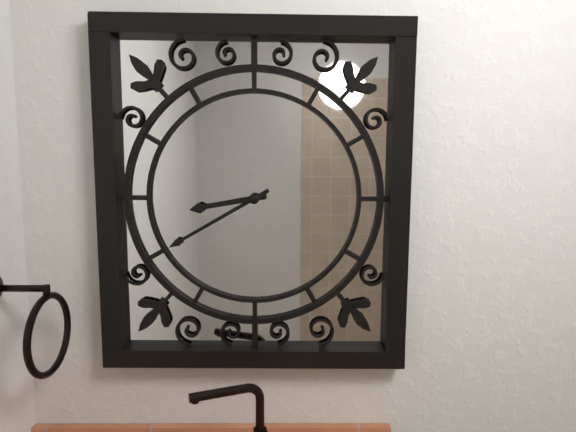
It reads 8,40
